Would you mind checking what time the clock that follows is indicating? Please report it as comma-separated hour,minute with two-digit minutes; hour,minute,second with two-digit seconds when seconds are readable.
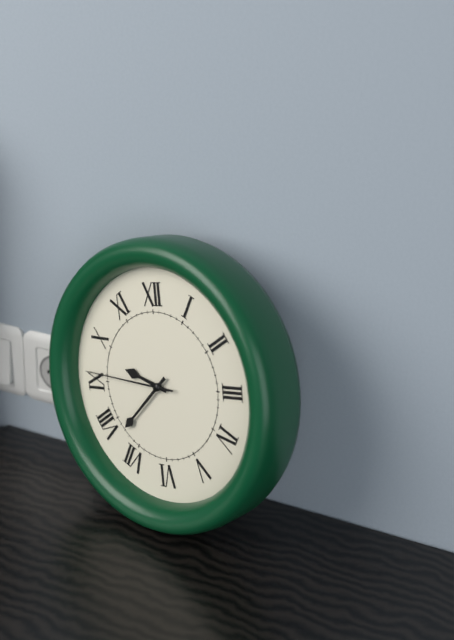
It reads 9,38,46
